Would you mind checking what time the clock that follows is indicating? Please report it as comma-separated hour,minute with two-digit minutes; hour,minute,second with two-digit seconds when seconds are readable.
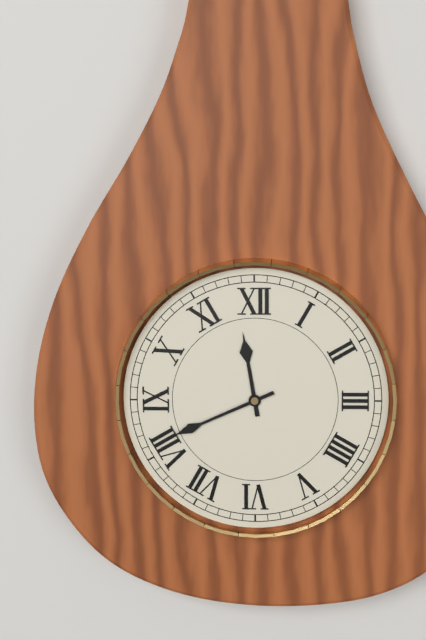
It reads 11,41
